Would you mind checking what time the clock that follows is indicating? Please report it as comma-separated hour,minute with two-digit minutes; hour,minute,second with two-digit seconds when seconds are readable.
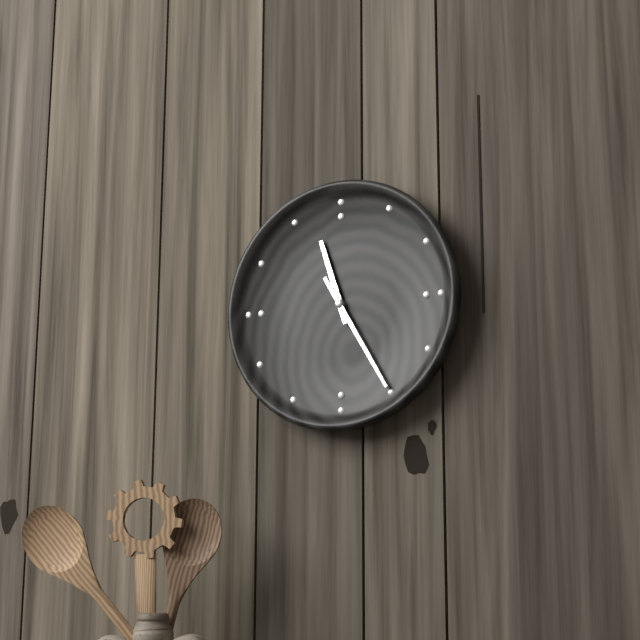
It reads 11,25
